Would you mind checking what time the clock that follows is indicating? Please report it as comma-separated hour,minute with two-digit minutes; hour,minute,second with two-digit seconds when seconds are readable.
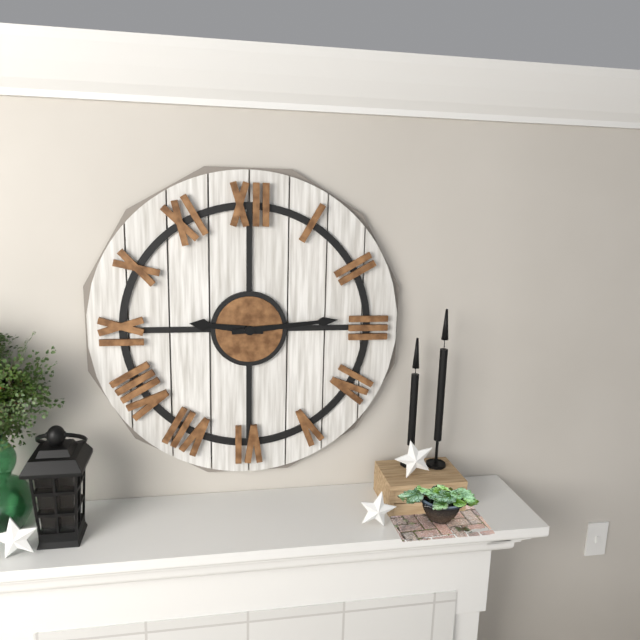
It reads 9,14
